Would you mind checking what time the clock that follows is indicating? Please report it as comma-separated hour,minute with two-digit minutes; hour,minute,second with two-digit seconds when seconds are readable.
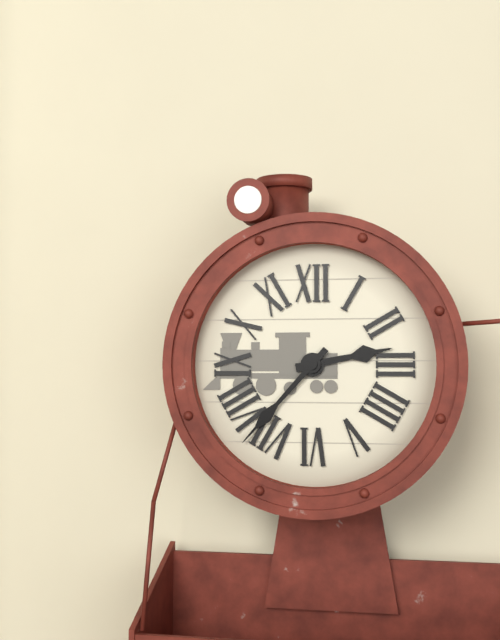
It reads 2,37
